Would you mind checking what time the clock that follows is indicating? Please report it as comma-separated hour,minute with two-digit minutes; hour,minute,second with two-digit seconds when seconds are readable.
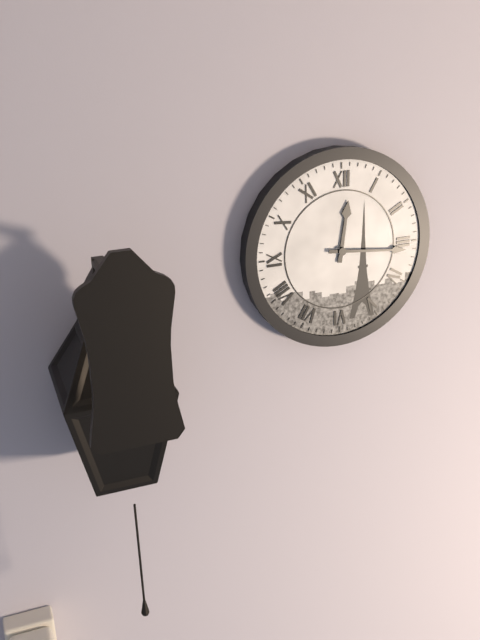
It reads 12,16
